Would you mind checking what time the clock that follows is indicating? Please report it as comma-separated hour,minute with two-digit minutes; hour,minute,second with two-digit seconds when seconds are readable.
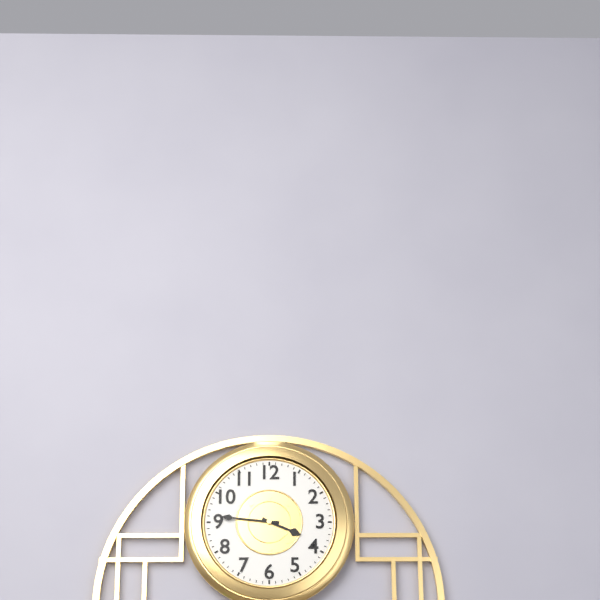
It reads 3,46
